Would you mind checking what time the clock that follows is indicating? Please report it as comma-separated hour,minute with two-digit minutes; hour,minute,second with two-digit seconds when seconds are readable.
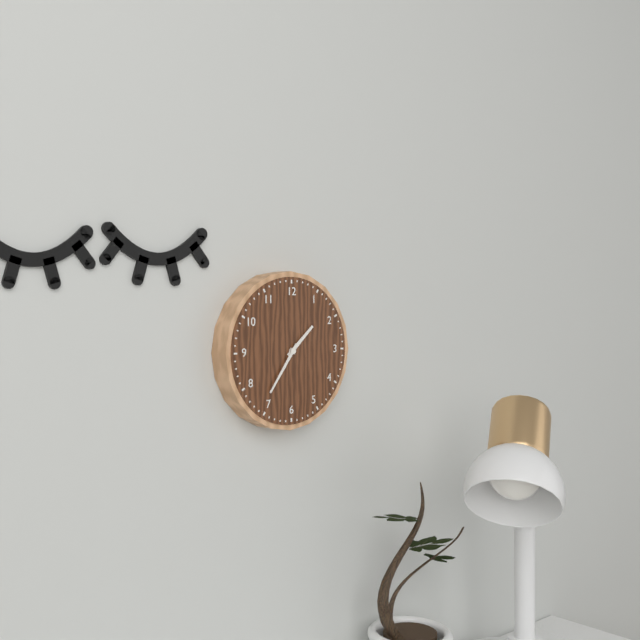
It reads 1,36
